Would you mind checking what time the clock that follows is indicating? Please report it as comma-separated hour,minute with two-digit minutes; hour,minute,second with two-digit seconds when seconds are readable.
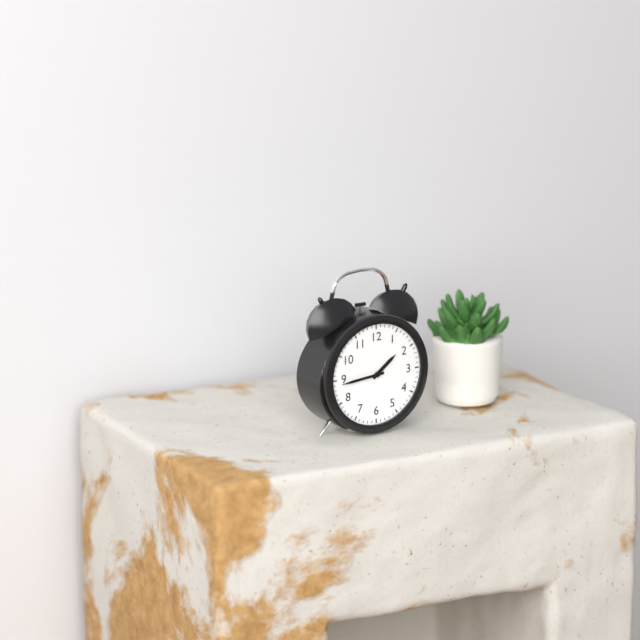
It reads 1,44
